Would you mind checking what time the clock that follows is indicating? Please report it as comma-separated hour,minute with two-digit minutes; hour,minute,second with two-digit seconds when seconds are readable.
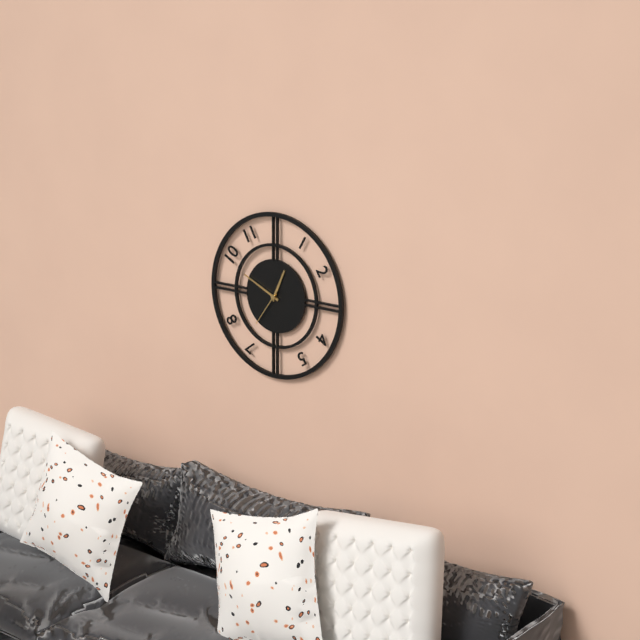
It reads 12,49
